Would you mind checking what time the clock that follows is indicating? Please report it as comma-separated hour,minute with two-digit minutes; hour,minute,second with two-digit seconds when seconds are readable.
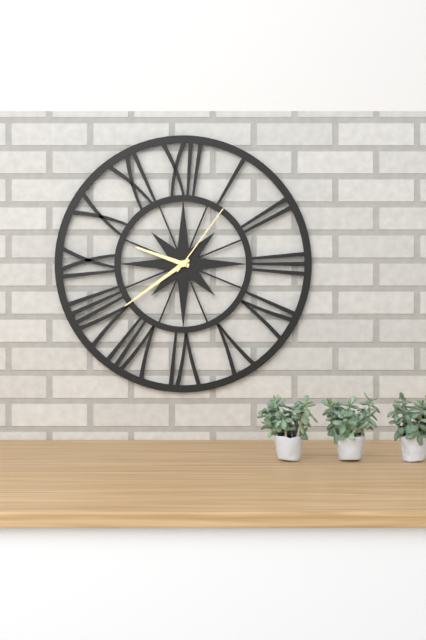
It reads 9,39,06
